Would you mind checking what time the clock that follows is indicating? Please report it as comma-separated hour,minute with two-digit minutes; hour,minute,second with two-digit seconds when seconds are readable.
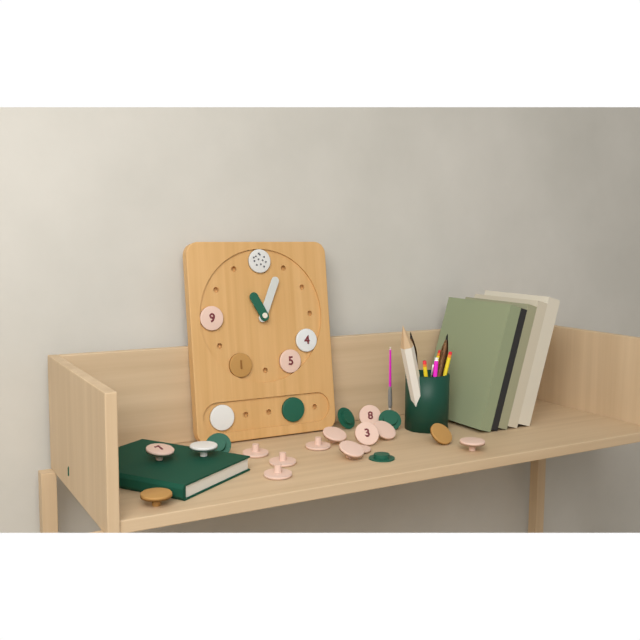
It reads 11,04
